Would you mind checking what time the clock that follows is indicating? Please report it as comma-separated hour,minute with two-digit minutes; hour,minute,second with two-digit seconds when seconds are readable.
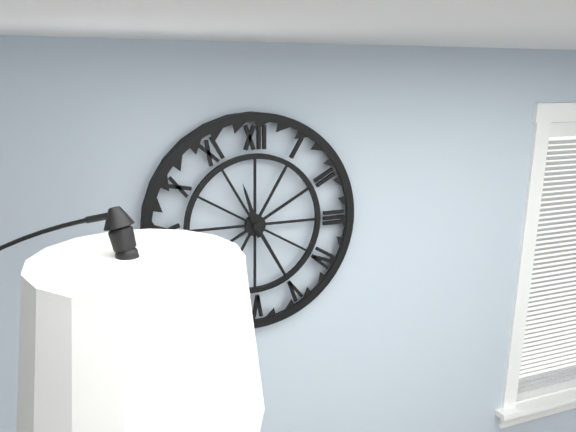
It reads 11,25
